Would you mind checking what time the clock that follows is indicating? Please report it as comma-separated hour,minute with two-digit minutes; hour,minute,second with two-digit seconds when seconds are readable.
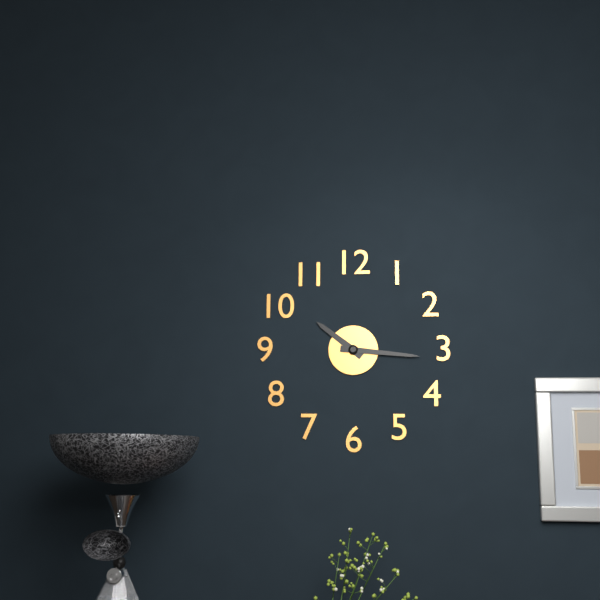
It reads 10,16
